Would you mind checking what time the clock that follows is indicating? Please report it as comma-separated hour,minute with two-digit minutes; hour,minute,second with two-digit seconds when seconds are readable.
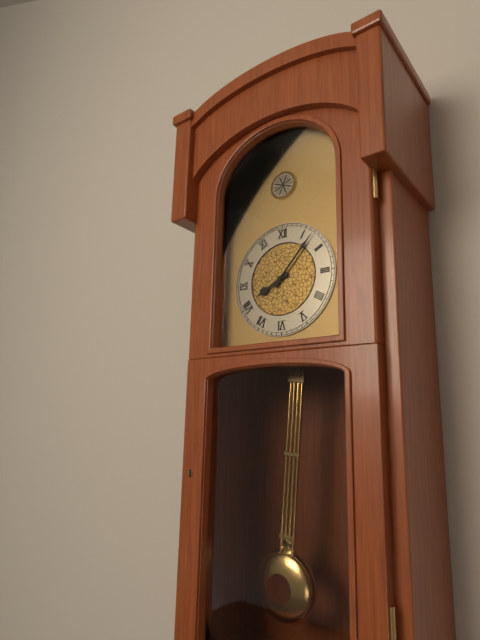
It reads 8,07
